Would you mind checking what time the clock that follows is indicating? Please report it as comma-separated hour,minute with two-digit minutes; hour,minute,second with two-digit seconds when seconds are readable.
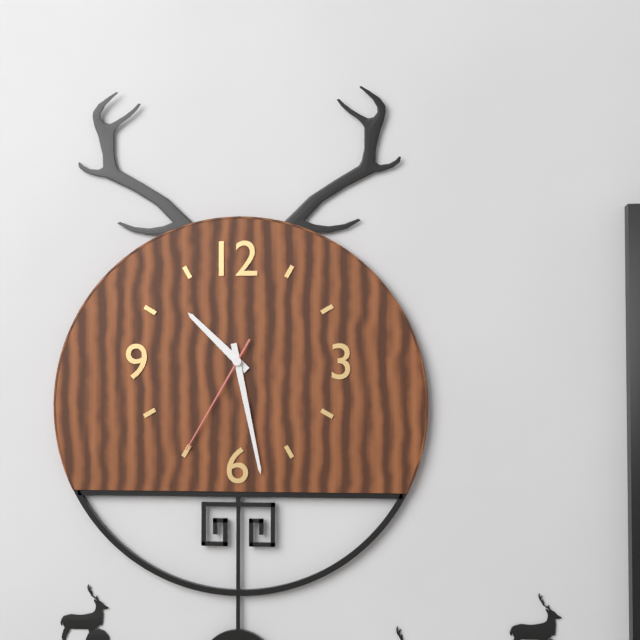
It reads 10,28,35
